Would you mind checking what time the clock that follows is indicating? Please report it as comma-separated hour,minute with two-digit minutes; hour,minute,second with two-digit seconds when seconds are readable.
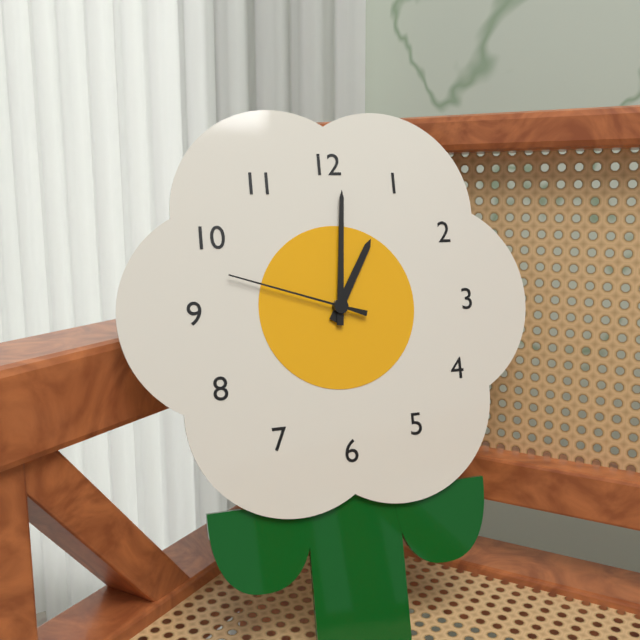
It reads 1,01,48
